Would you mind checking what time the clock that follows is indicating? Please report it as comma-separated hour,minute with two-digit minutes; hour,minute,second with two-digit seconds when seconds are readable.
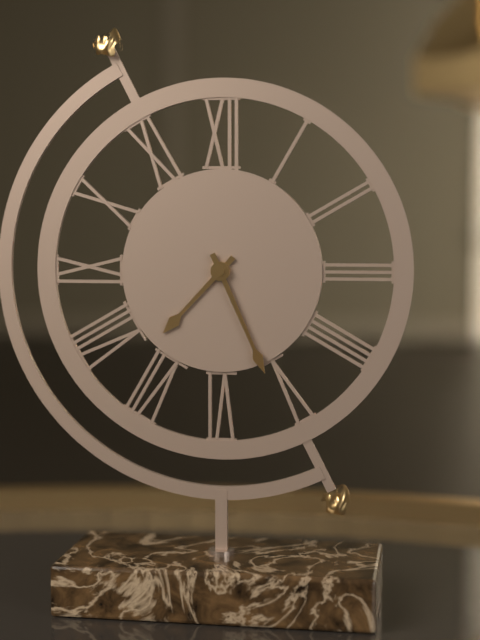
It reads 7,26
